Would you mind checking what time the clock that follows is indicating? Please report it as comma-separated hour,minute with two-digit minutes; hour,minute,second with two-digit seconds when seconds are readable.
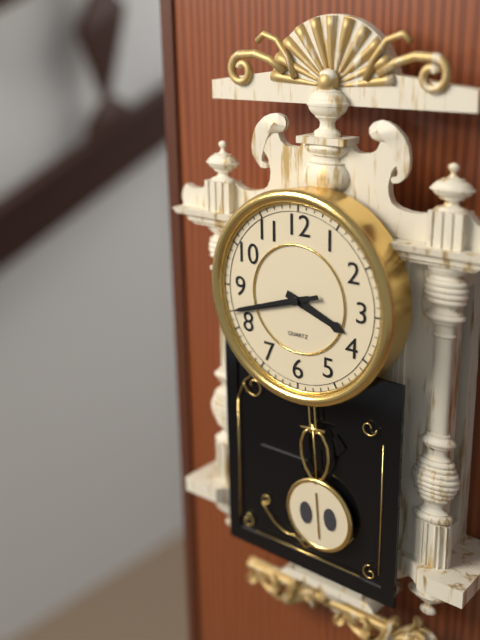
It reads 3,42,42
